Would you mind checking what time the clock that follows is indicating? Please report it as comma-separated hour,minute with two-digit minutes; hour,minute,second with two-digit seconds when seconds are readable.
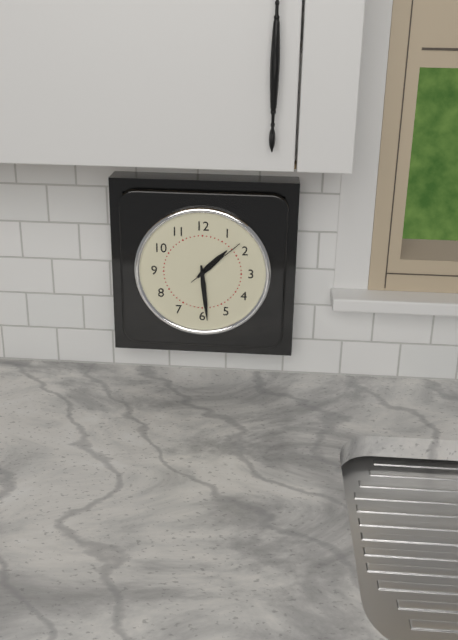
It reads 1,29,08
